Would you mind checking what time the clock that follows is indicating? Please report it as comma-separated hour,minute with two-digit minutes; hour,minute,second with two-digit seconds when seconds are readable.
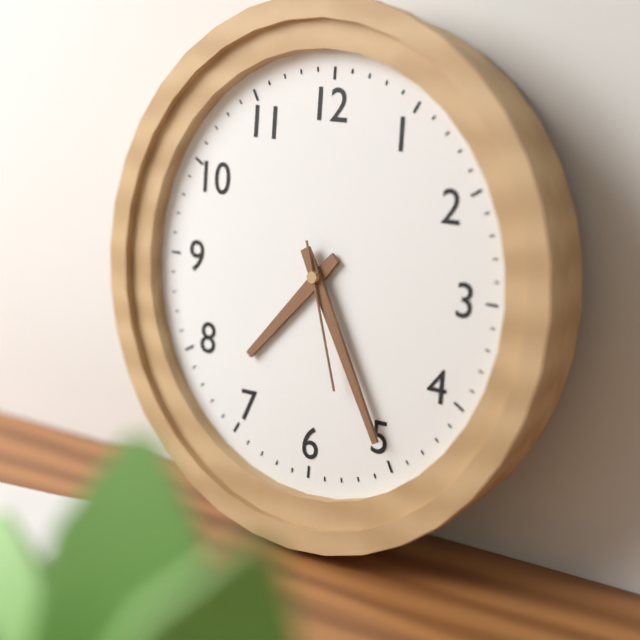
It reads 7,25,27
